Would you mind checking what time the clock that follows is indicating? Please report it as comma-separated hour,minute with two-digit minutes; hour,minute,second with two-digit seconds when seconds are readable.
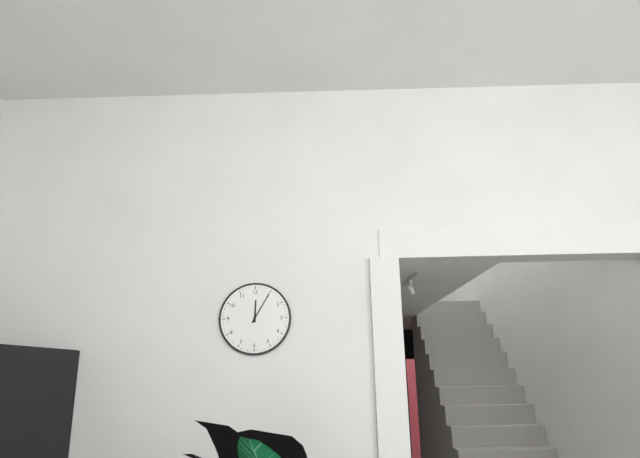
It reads 12,05
